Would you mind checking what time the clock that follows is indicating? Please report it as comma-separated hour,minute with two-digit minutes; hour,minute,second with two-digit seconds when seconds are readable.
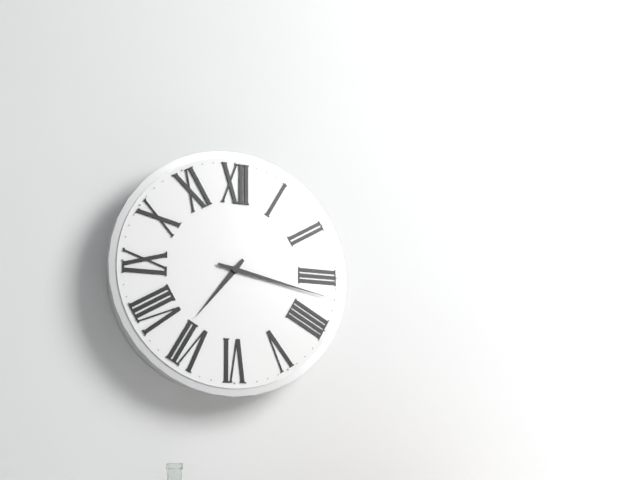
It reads 7,17
